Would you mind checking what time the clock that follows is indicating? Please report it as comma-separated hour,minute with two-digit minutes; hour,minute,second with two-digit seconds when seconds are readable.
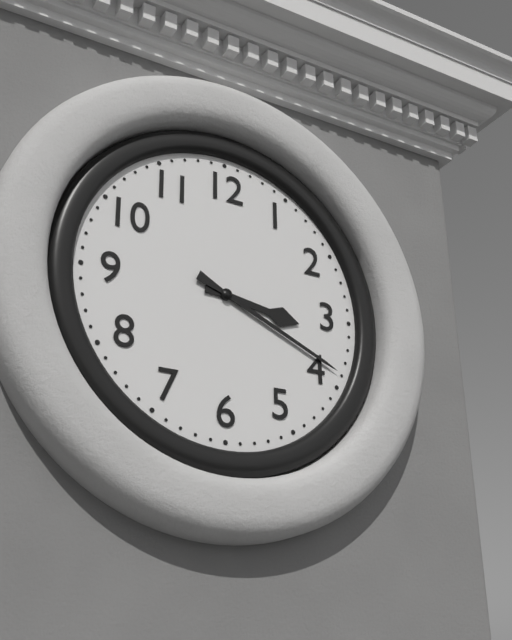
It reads 3,19
